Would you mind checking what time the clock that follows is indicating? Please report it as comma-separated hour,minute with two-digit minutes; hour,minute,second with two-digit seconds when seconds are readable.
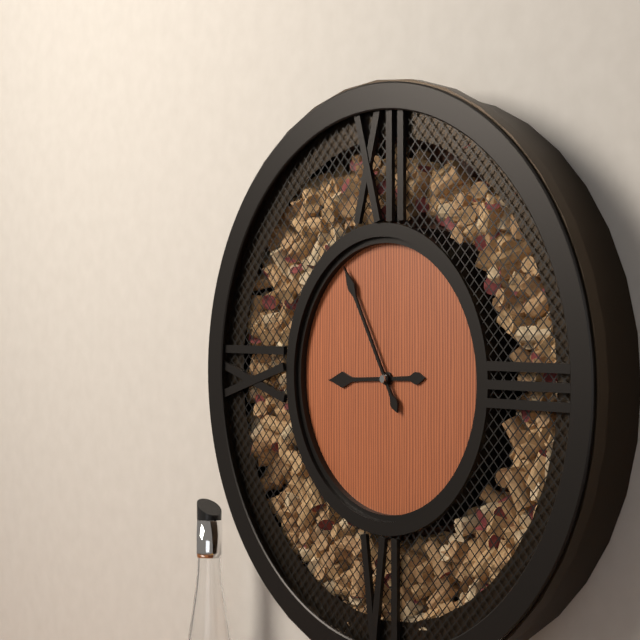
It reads 8,55
